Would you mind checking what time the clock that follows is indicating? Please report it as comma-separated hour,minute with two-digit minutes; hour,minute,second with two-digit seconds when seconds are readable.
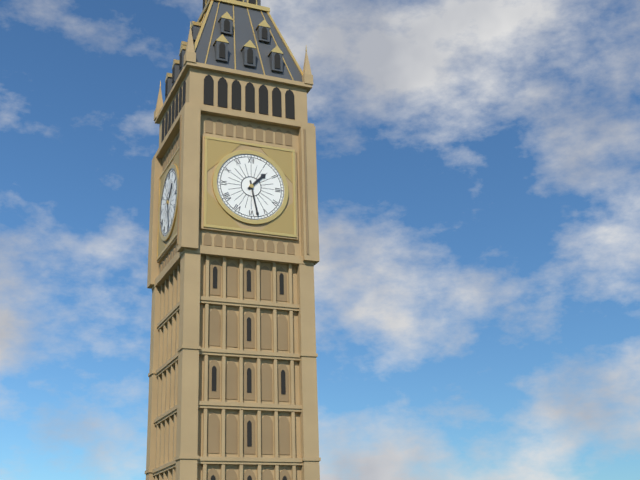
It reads 1,28
